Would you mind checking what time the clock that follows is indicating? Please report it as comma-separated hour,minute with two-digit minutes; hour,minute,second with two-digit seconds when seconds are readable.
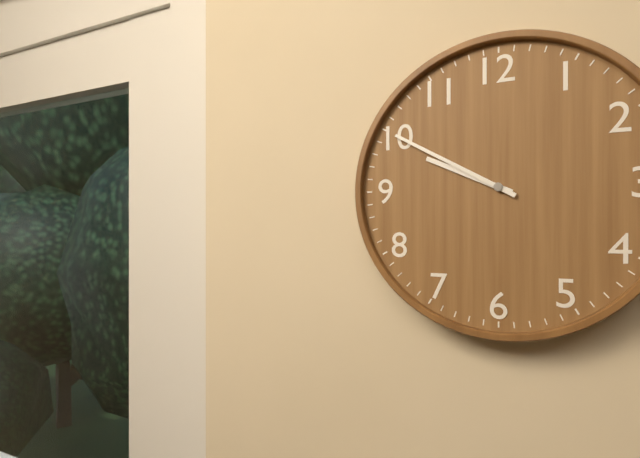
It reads 9,50
